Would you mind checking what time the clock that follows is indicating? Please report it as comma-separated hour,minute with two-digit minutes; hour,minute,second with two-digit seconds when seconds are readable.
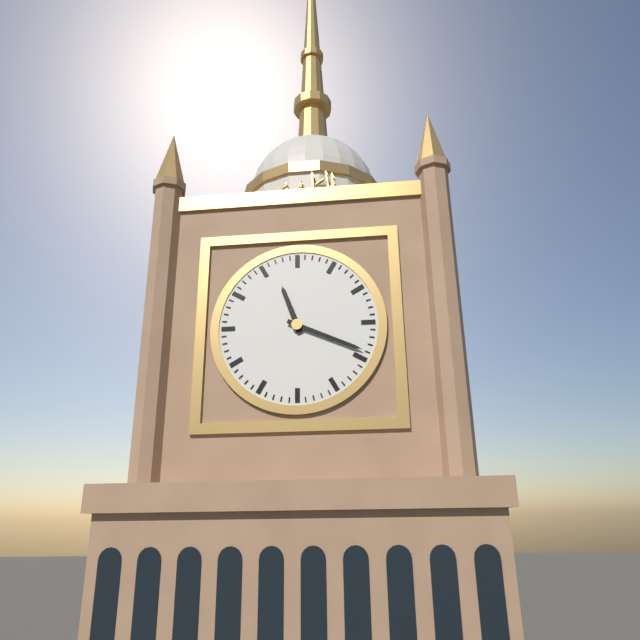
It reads 11,19
